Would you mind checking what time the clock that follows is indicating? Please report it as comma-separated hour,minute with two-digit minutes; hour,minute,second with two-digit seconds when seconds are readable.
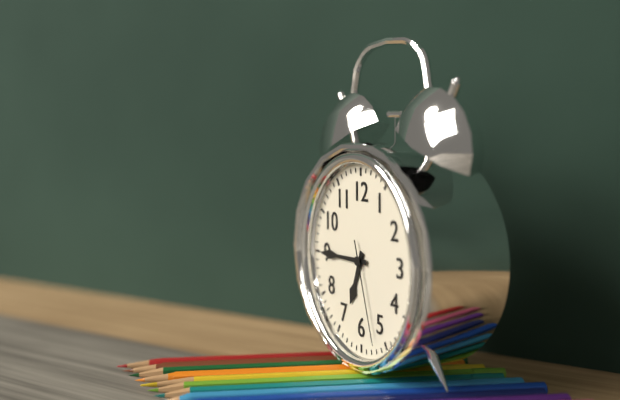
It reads 6,45,27
